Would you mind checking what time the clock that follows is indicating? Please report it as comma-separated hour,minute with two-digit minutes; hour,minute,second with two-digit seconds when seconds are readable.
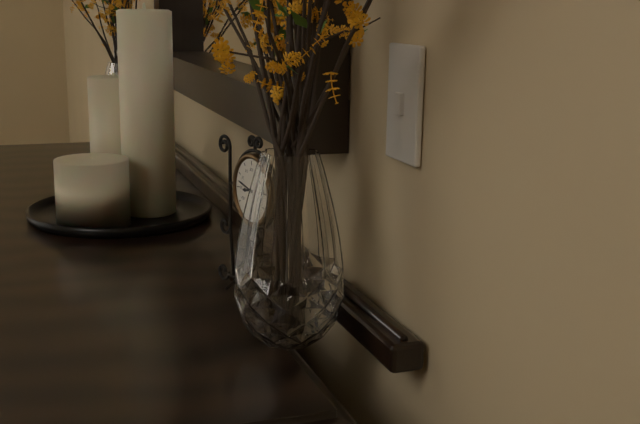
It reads 8,48
